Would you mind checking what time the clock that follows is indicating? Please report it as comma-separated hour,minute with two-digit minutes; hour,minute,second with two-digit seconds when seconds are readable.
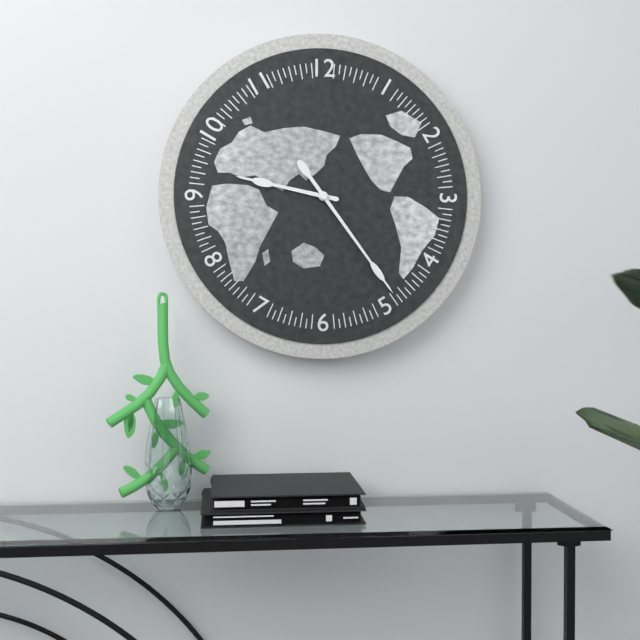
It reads 9,24
